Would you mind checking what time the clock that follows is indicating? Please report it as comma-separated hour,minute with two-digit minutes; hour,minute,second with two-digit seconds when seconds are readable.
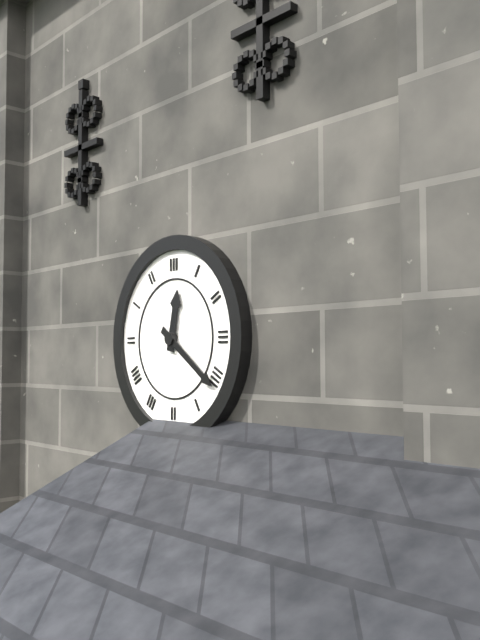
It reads 12,21
